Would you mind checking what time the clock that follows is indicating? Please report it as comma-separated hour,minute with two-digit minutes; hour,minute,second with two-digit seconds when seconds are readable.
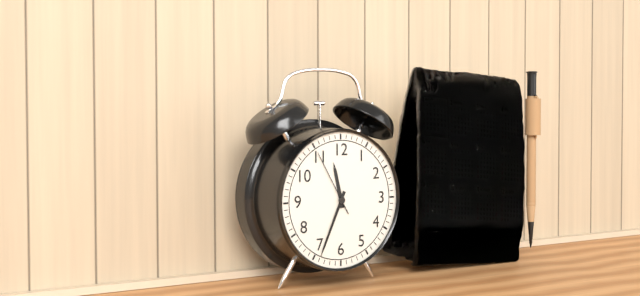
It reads 11,34,55
